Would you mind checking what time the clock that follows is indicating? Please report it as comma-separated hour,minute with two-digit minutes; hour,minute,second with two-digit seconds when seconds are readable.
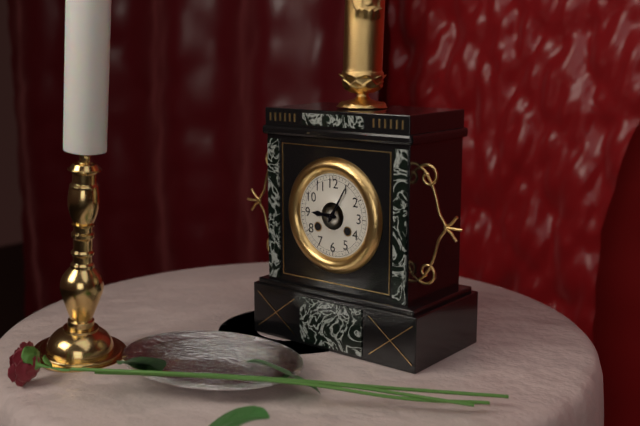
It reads 9,05
